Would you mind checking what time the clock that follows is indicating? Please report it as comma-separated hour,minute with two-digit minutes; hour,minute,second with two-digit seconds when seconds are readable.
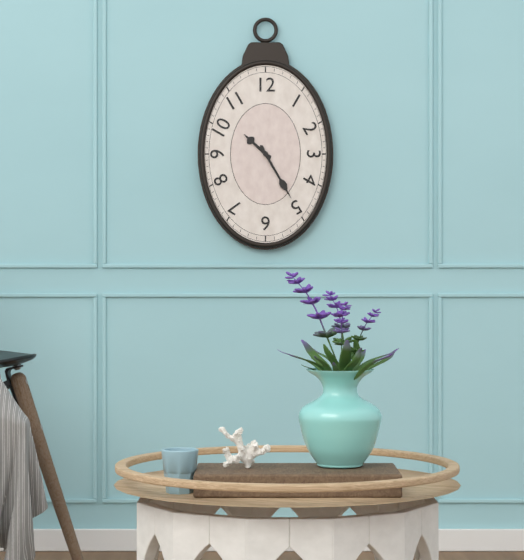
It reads 10,25
